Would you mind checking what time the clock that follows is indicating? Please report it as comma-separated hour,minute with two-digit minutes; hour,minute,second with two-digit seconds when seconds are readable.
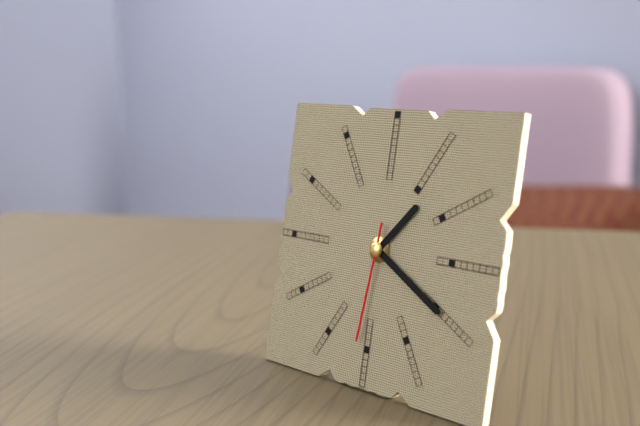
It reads 1,20,31
